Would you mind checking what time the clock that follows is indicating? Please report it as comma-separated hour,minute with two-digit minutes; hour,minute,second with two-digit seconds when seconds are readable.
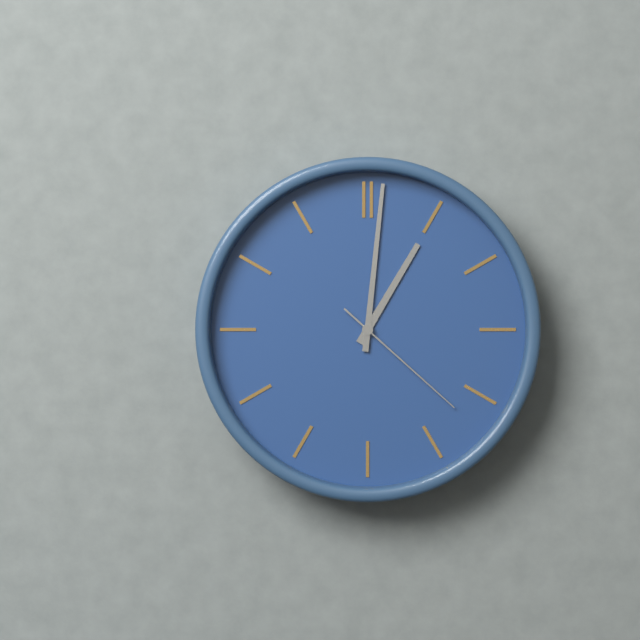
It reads 1,01,22
